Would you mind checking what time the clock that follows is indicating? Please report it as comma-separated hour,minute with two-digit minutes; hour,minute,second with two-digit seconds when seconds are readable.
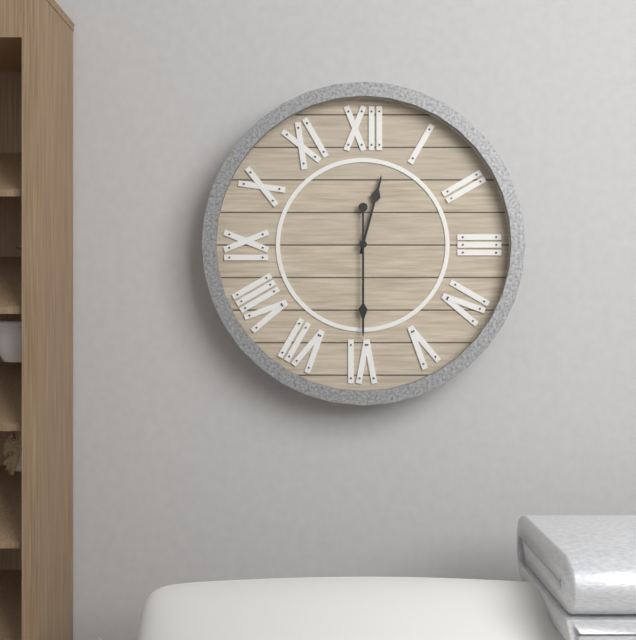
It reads 12,30
